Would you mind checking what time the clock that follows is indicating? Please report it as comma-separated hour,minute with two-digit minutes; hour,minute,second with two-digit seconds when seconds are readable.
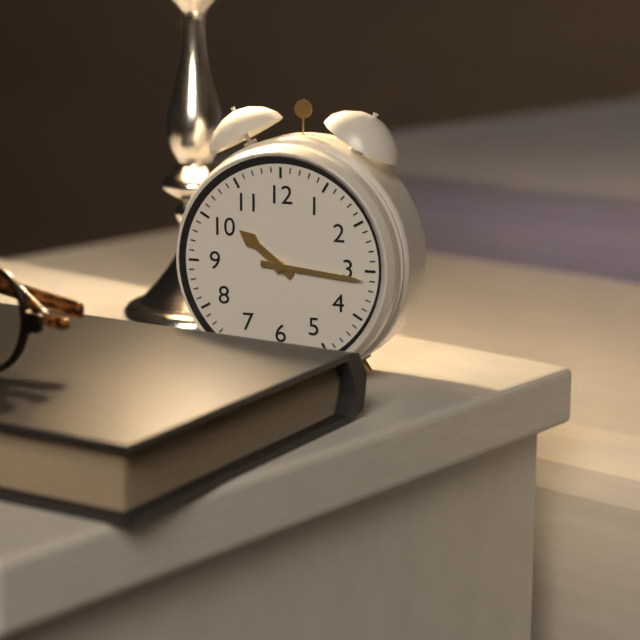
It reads 10,16
